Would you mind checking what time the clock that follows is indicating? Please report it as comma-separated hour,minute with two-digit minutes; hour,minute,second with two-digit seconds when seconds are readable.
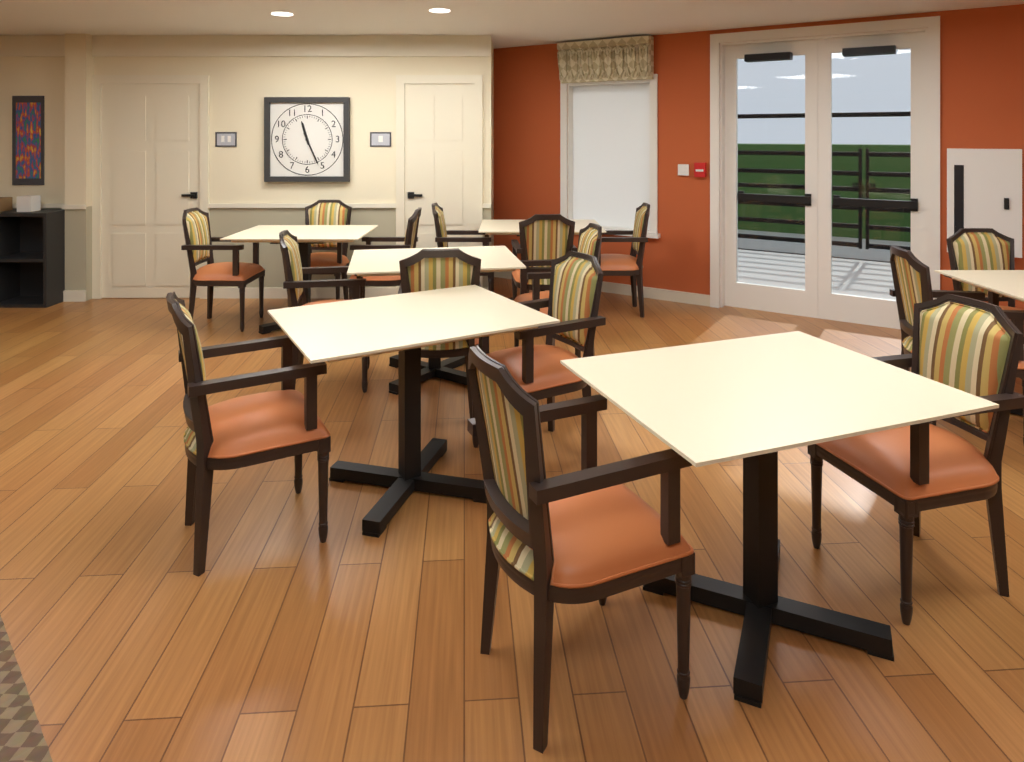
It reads 11,26
